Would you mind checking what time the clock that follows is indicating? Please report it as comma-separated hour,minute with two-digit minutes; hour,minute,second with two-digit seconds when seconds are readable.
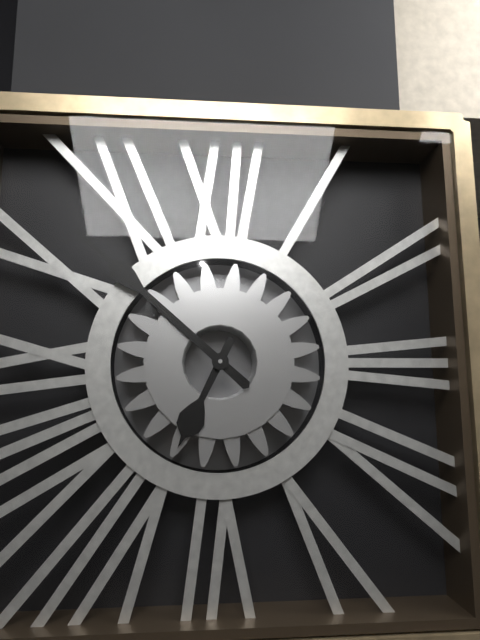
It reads 6,52
